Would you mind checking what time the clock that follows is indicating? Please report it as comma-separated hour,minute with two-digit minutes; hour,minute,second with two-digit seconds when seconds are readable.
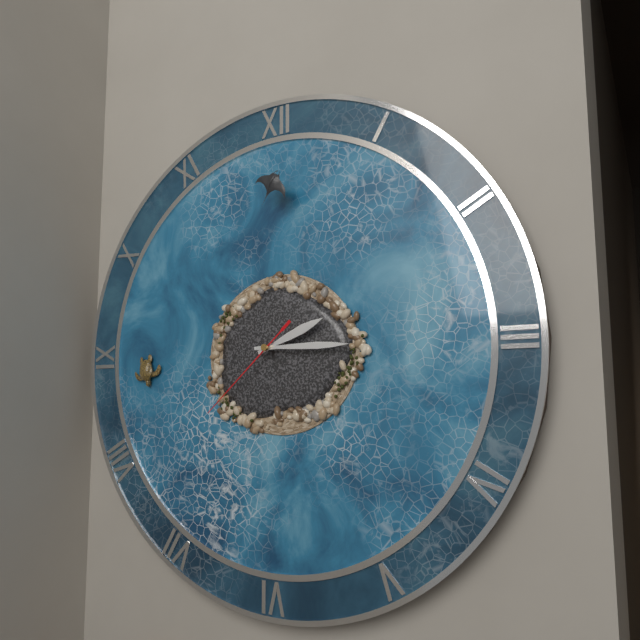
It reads 2,15,38
